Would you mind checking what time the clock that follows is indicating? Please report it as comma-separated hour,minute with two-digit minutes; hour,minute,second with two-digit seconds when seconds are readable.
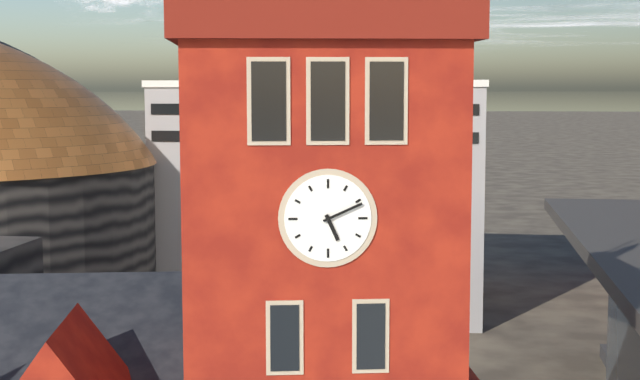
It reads 5,11
